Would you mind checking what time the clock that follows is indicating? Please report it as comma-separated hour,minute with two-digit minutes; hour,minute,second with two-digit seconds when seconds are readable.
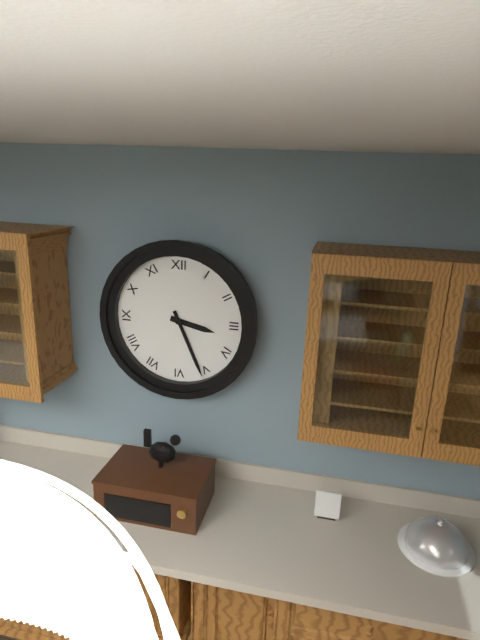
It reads 3,26
